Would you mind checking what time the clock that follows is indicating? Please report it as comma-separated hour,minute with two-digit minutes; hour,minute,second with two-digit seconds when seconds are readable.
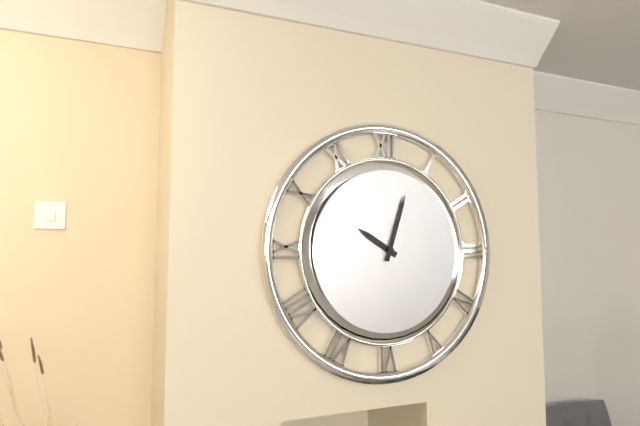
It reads 10,03
